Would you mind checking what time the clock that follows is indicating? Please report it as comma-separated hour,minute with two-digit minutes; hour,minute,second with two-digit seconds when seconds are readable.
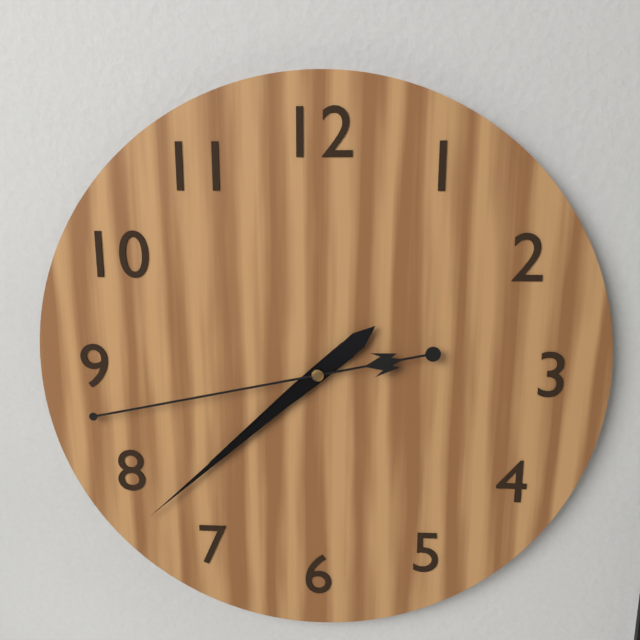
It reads 7,38,43
